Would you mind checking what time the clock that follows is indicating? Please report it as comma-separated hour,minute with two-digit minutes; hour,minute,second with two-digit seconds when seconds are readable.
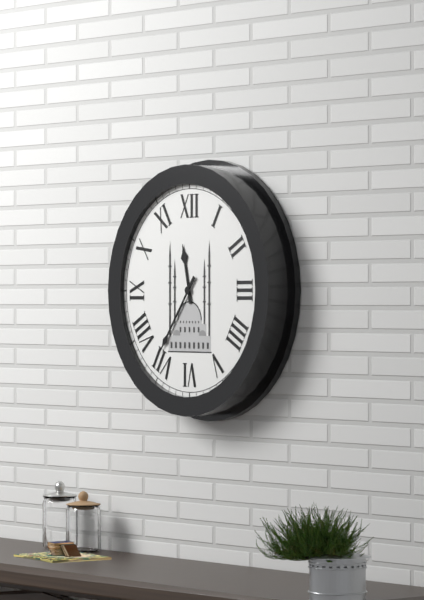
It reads 11,36
